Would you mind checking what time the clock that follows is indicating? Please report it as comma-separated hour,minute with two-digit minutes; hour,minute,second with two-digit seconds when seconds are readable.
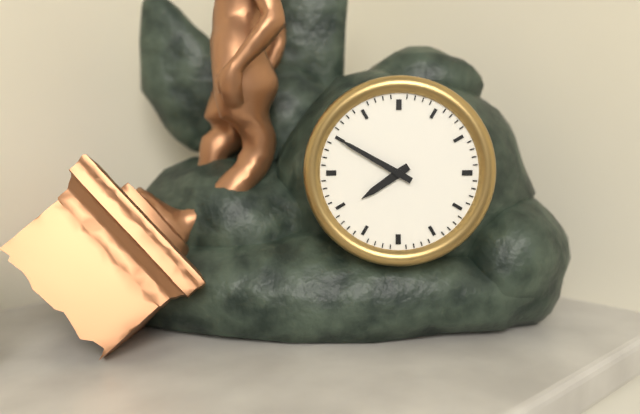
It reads 7,50
